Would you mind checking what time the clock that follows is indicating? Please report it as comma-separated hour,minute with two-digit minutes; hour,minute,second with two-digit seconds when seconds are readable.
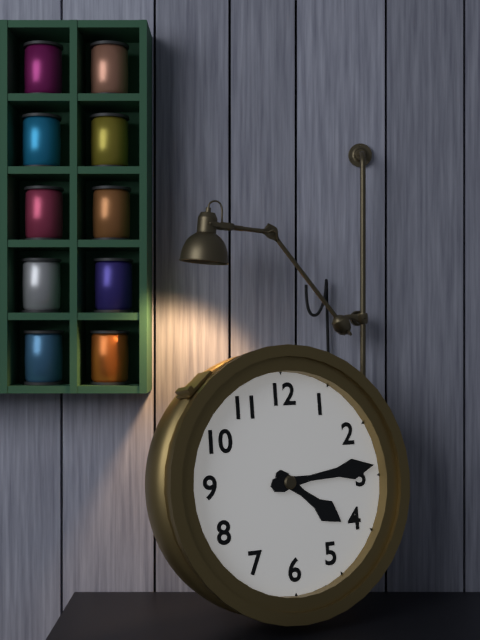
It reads 4,14
